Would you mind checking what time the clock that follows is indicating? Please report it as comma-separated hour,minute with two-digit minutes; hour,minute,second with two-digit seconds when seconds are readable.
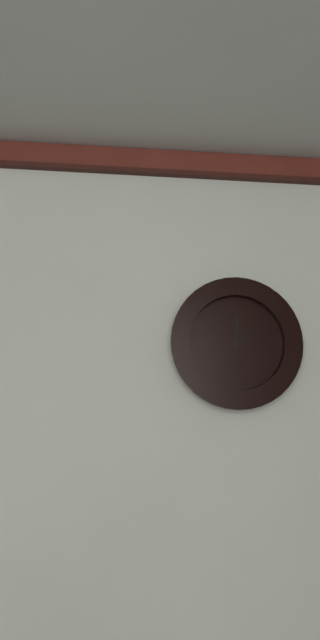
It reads 12,09
